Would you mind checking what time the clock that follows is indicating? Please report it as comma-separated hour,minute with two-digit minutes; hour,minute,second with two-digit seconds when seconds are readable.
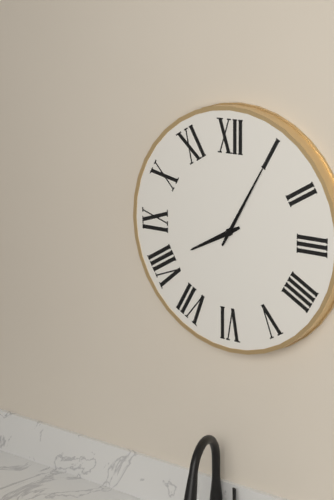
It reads 8,05
